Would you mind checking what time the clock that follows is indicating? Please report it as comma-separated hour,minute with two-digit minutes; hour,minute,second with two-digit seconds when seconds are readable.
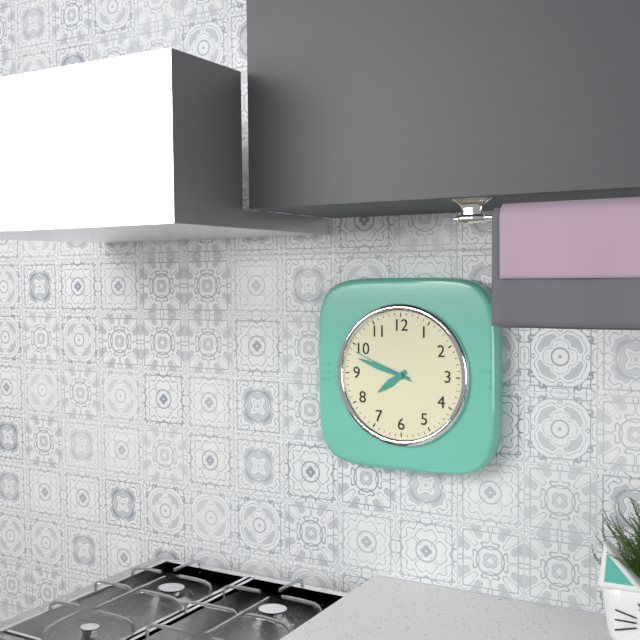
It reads 7,48,49
